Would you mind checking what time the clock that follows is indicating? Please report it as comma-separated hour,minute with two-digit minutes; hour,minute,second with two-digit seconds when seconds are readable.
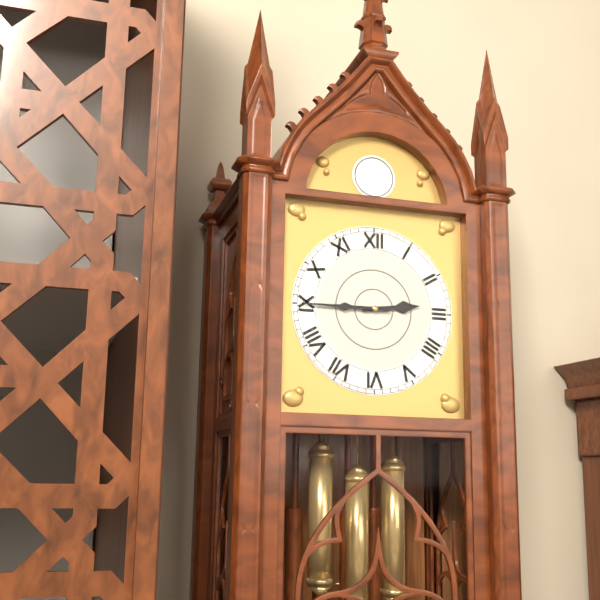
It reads 2,45
